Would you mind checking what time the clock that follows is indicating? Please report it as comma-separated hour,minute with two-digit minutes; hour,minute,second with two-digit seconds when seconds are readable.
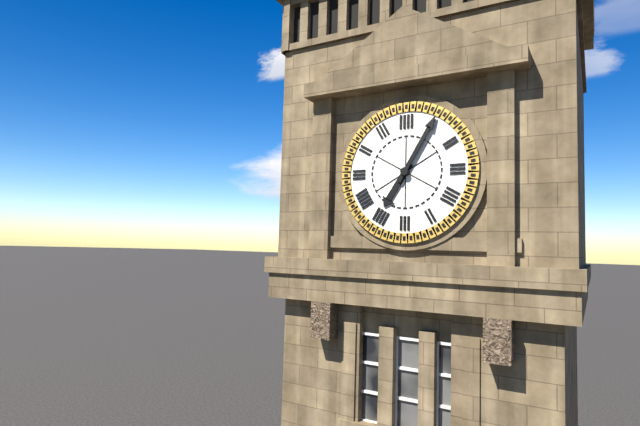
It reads 7,05
